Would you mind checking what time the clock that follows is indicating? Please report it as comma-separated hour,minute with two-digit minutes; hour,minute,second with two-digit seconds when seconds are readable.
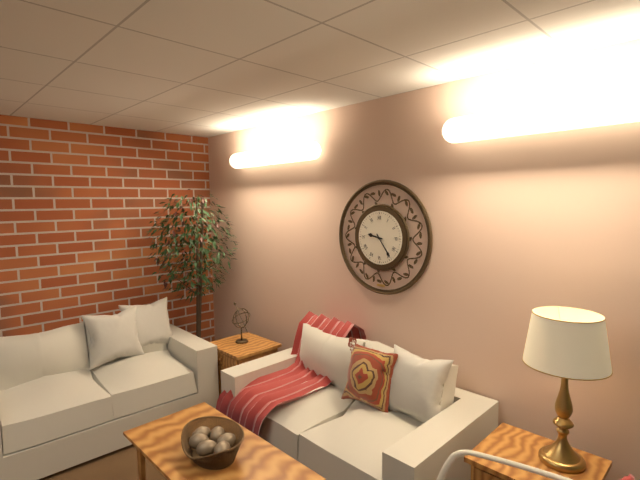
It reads 9,24
